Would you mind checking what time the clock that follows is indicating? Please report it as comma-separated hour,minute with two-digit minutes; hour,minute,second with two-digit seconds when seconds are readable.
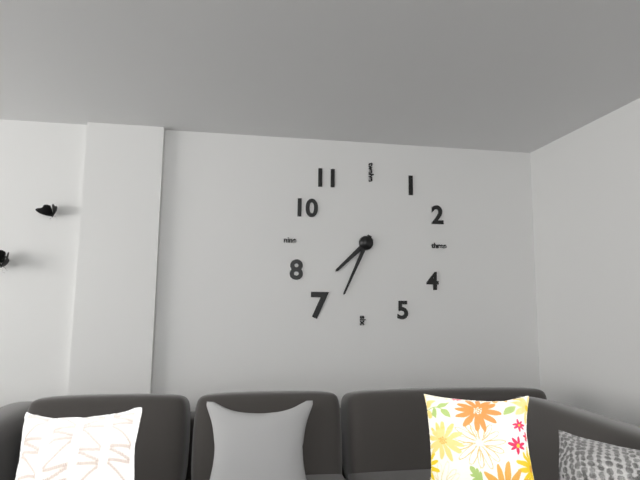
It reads 7,34
